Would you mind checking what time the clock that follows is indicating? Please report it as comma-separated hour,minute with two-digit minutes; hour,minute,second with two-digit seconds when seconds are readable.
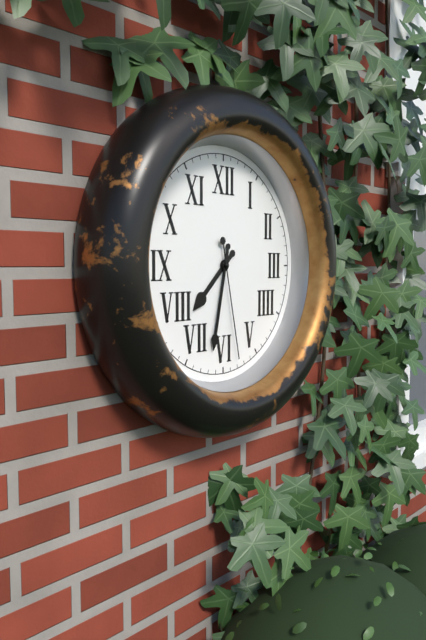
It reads 7,32,28
